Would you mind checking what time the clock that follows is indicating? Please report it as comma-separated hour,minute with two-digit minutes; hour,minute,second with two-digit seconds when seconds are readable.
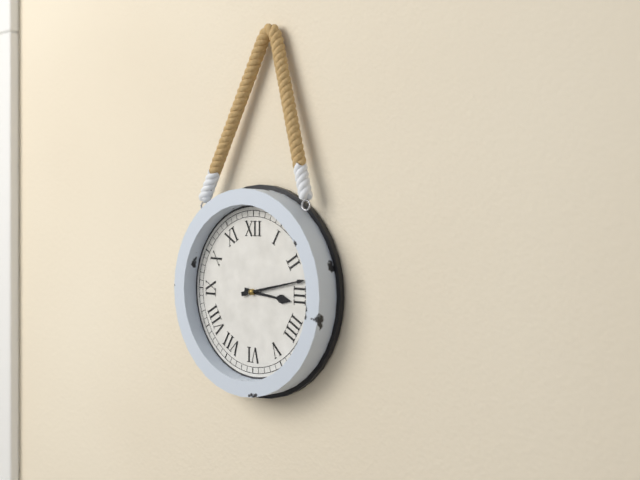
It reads 3,13
